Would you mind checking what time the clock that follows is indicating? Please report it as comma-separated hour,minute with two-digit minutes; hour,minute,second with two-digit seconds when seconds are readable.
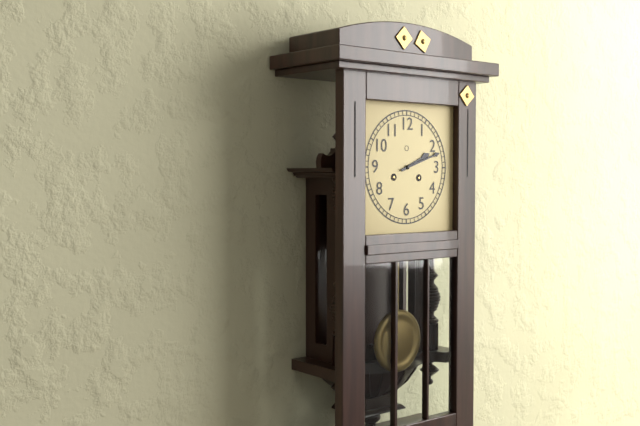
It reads 2,12
